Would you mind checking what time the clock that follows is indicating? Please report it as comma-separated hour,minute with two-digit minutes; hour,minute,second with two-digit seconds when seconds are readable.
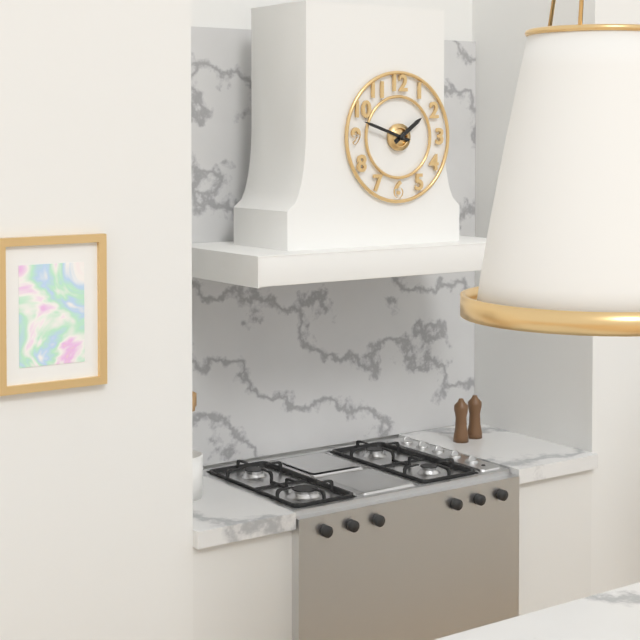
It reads 1,48
